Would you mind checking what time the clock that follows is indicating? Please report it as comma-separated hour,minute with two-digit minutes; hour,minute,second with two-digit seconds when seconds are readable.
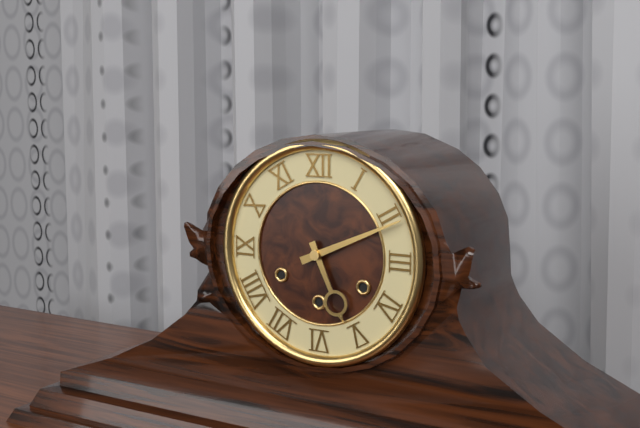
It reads 5,11
